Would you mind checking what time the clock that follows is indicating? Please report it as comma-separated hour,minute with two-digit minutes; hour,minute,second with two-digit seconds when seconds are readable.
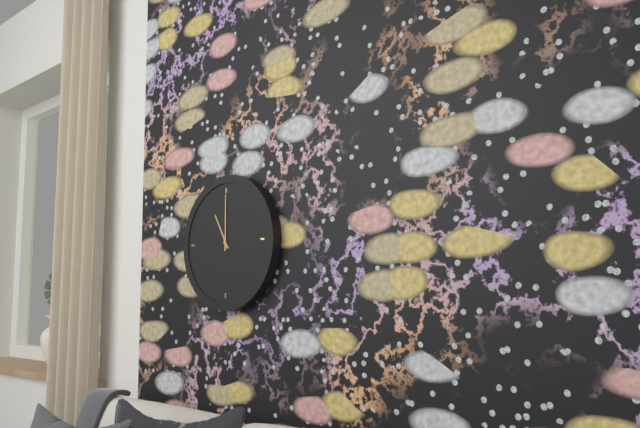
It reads 11,00
